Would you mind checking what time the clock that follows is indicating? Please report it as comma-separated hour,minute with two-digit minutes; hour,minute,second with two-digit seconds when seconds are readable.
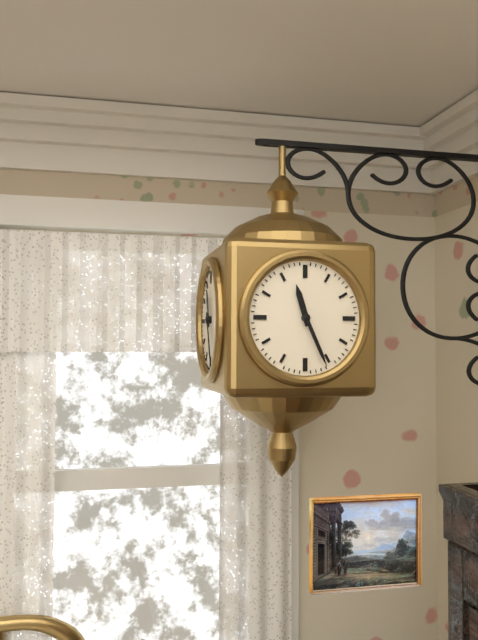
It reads 11,26
